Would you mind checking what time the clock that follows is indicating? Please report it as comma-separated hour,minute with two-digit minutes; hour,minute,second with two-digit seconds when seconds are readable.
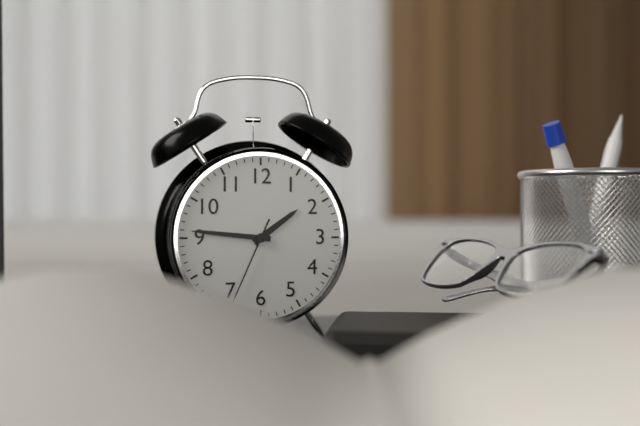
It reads 1,46,34
